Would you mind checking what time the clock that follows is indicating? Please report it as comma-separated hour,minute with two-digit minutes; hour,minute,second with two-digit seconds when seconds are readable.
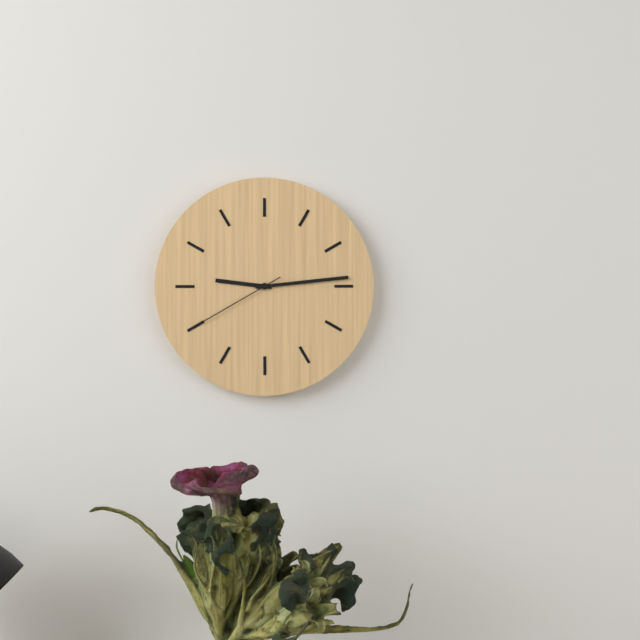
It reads 9,14,40
